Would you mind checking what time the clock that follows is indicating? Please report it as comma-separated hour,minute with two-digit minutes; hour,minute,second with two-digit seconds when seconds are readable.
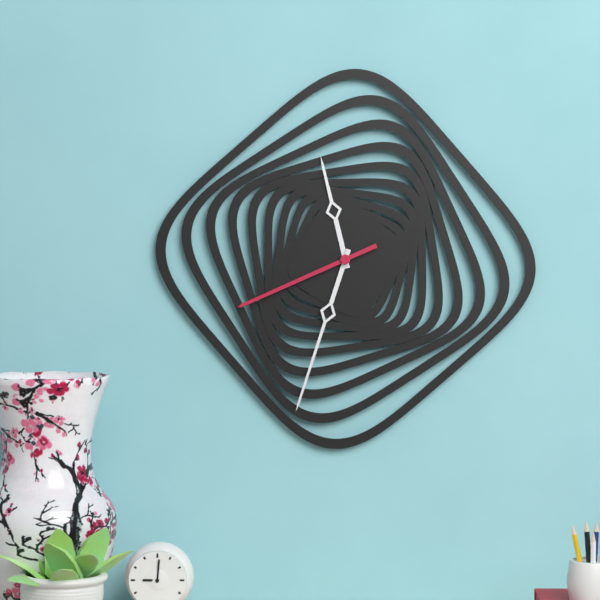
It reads 11,33,41
